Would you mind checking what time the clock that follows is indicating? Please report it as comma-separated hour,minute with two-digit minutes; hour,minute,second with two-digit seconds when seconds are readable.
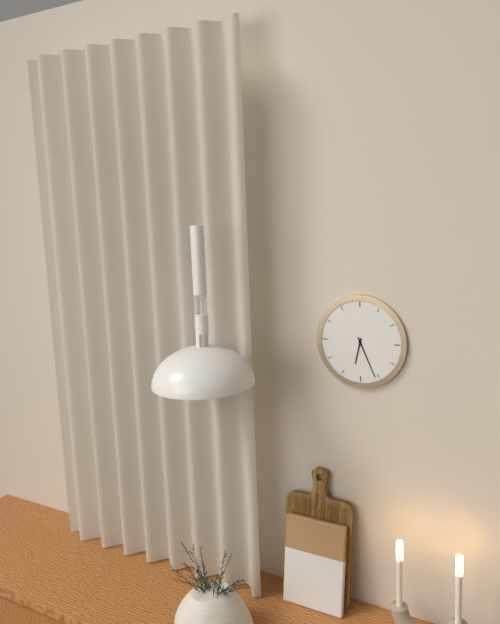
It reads 6,26
